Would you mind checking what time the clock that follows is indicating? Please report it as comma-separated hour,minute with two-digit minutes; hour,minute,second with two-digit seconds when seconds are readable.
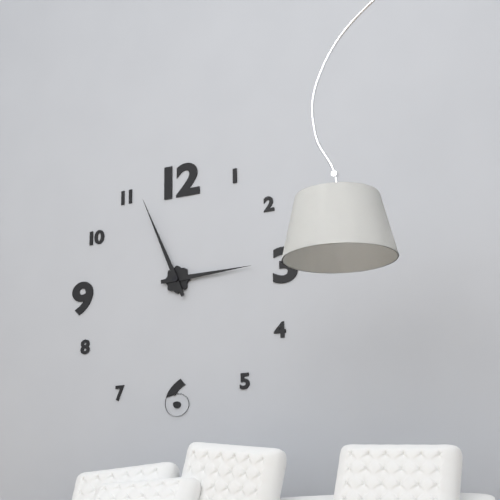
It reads 2,56
